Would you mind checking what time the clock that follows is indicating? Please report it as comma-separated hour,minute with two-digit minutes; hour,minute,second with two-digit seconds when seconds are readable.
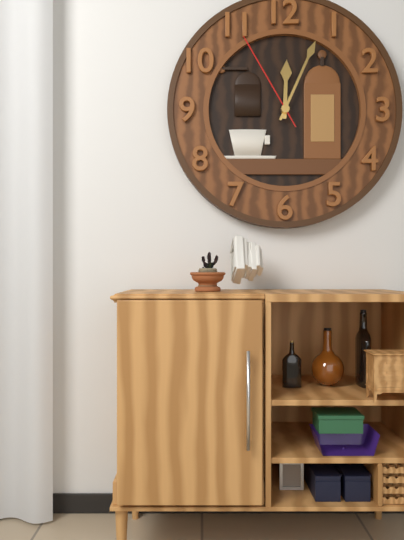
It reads 12,04,55
